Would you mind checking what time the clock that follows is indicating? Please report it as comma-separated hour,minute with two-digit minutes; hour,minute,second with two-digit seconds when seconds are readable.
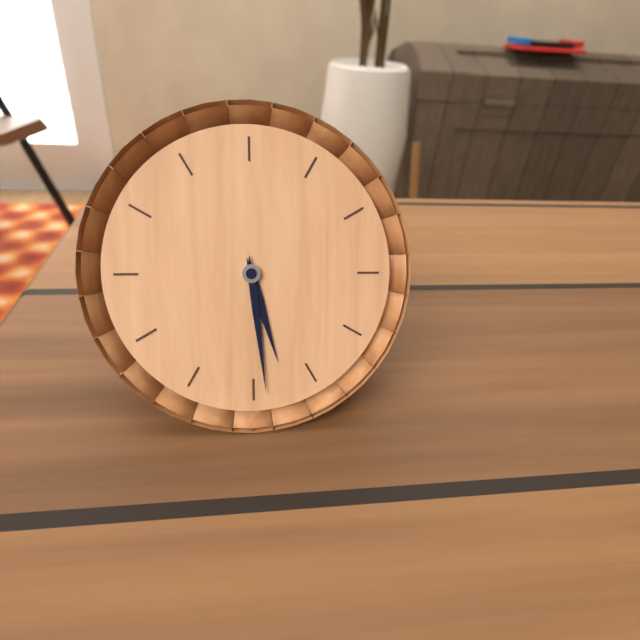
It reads 5,29
